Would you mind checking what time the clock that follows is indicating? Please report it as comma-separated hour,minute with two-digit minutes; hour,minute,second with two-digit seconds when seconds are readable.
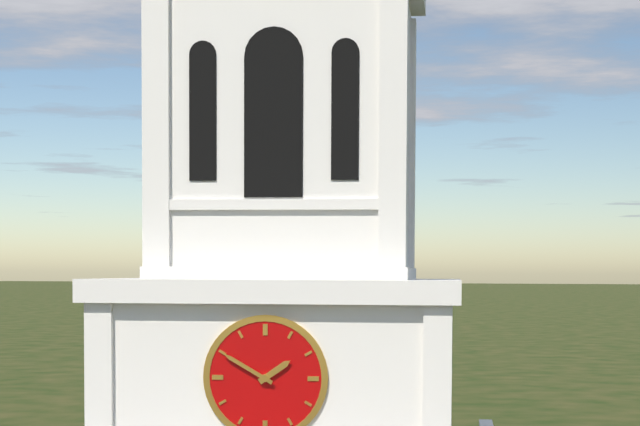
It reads 1,50
